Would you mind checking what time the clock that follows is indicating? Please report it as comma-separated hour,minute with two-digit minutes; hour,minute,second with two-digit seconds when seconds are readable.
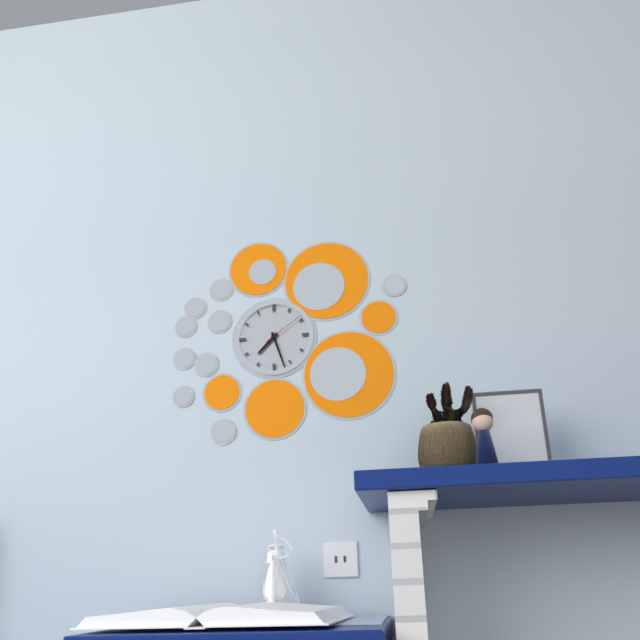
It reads 7,27
